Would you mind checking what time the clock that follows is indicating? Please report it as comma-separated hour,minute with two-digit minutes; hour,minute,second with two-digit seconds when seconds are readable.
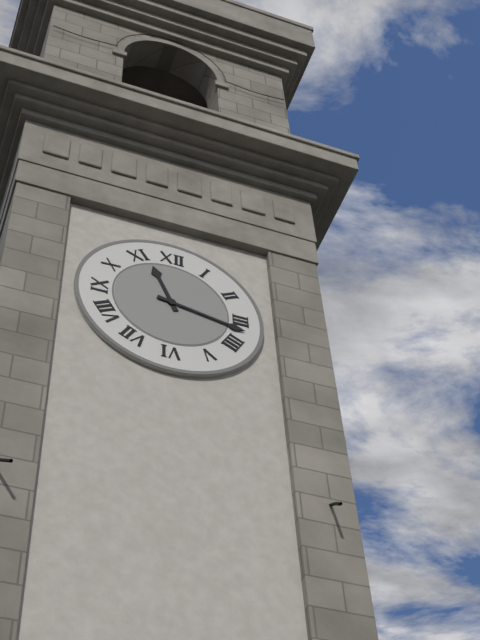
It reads 11,17
